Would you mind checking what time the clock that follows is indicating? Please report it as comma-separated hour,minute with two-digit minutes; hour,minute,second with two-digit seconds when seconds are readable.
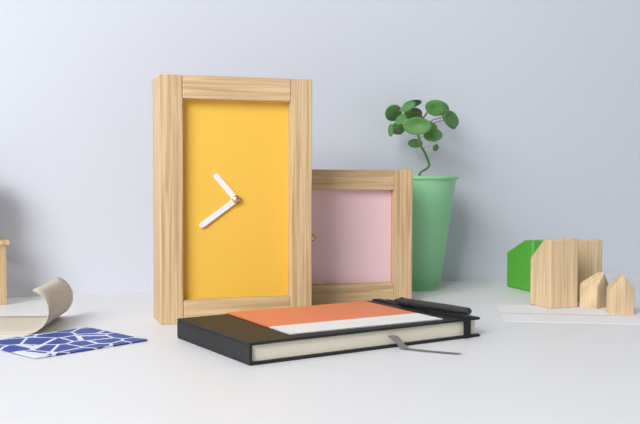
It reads 10,39
